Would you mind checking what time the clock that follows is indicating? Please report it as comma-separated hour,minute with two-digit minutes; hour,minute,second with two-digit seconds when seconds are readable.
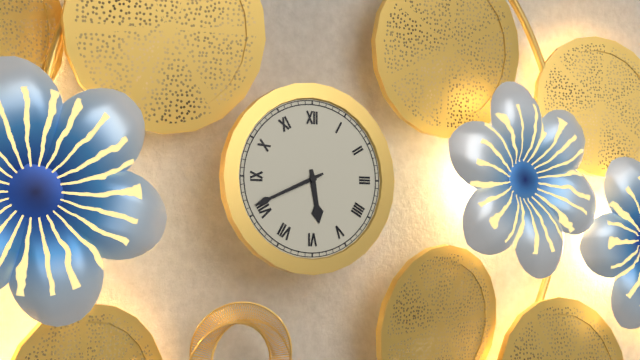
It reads 5,41
